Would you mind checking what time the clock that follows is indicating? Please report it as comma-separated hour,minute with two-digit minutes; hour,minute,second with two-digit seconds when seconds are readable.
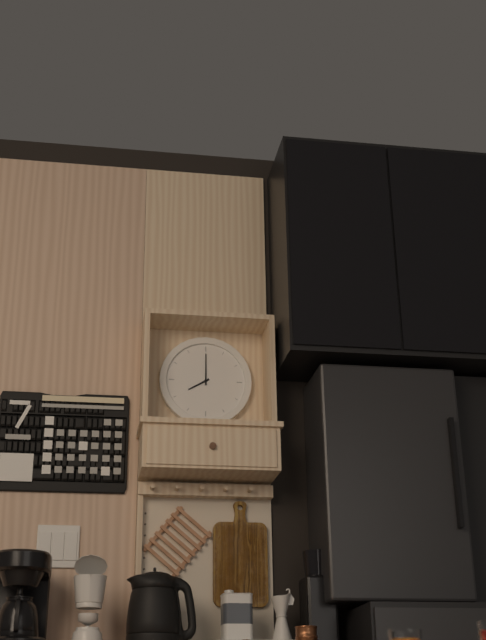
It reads 8,00
